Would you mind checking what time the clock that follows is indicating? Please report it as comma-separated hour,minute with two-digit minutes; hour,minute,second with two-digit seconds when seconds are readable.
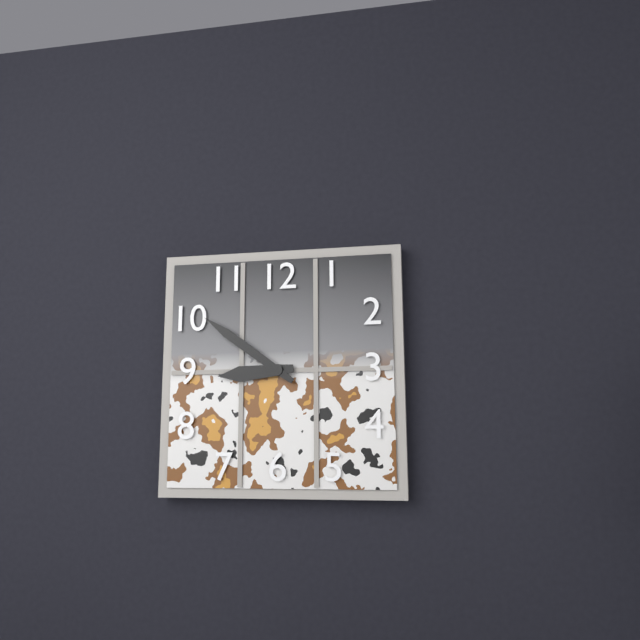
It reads 8,51
